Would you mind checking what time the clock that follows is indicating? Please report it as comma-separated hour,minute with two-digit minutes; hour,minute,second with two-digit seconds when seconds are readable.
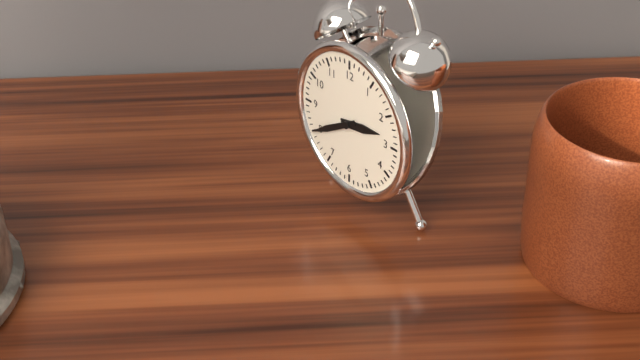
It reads 2,40
